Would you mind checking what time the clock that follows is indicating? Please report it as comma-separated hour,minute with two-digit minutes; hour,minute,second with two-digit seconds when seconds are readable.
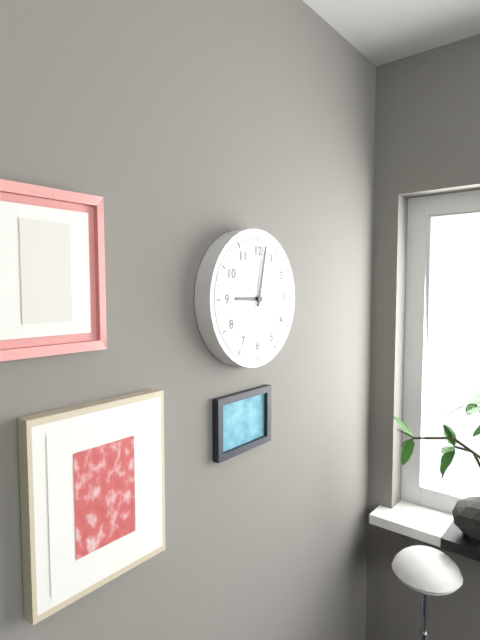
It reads 9,02
